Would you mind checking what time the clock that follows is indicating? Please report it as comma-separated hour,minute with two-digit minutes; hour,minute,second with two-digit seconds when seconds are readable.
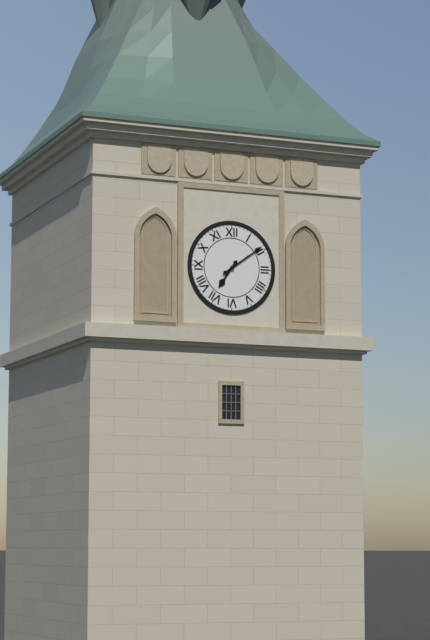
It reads 7,09
